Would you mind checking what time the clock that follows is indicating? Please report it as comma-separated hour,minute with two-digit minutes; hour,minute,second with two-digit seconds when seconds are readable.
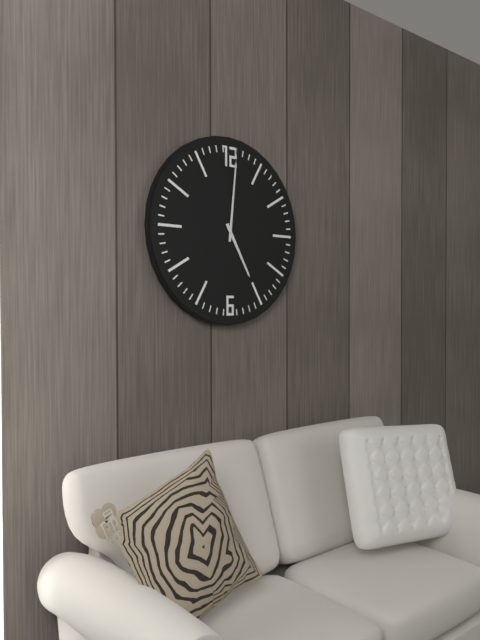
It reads 5,01
